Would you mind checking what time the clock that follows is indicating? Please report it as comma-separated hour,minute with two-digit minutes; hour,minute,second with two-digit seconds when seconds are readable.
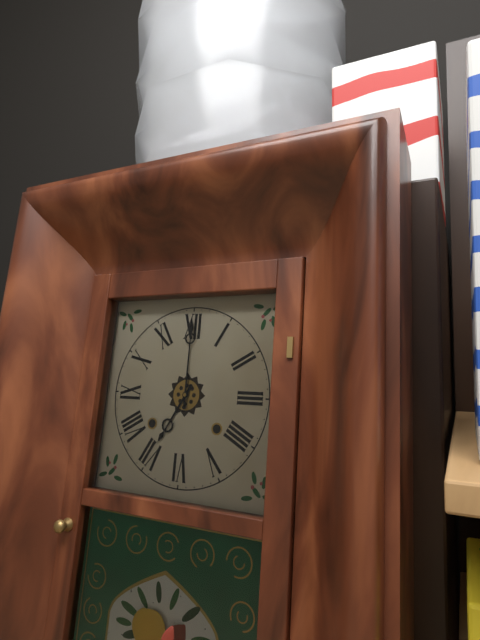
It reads 7,00
